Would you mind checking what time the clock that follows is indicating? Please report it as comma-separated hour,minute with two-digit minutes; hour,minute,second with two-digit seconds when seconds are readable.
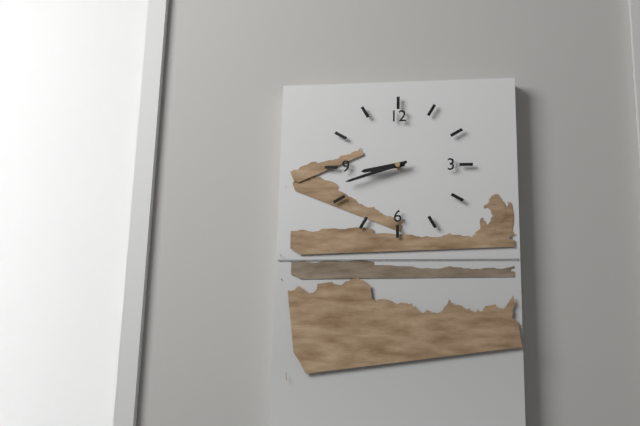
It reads 8,42
